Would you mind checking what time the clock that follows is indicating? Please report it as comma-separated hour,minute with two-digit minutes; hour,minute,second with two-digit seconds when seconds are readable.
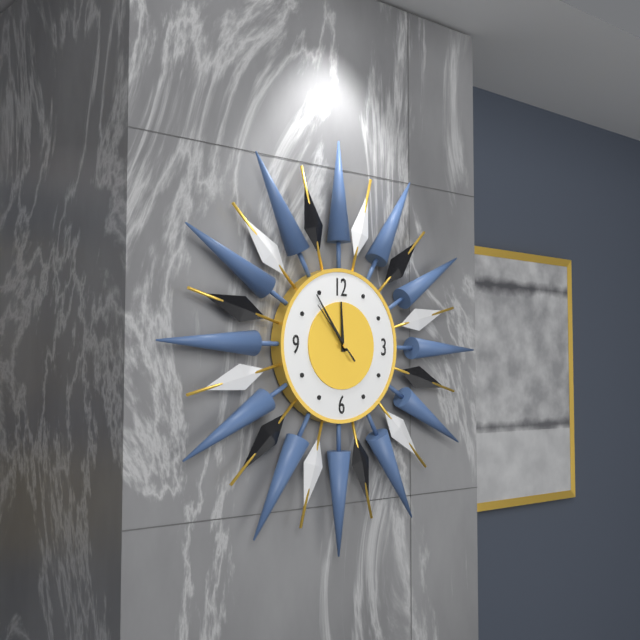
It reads 11,54,53
